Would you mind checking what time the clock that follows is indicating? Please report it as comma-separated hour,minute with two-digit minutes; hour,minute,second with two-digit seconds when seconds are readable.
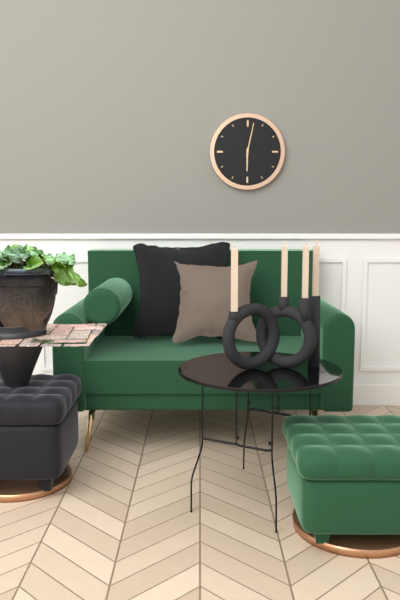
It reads 6,02
